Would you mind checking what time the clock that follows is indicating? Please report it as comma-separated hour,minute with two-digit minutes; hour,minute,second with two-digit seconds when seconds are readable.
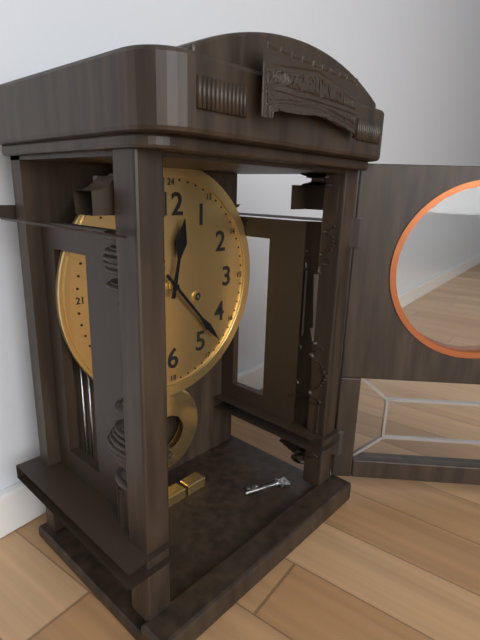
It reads 12,23
